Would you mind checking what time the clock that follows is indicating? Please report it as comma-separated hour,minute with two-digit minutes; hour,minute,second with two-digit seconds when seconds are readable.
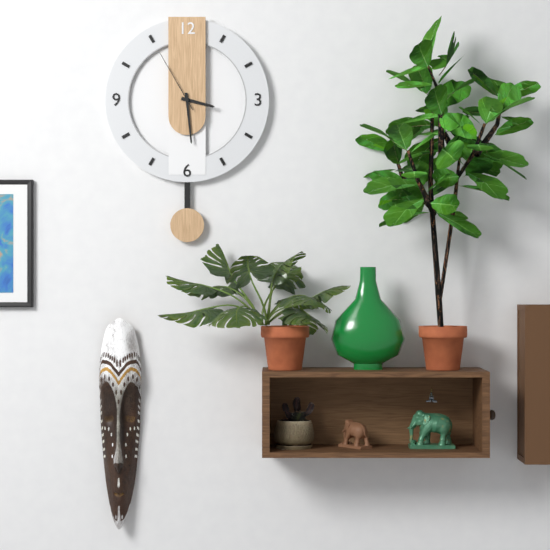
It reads 3,29,55
